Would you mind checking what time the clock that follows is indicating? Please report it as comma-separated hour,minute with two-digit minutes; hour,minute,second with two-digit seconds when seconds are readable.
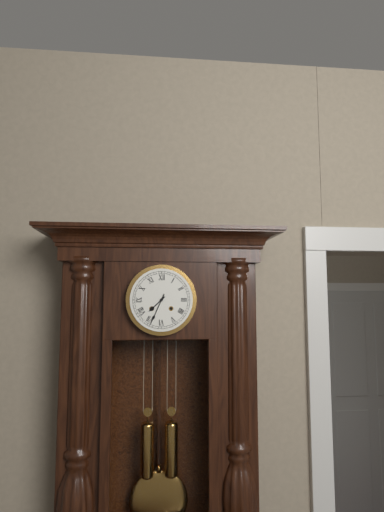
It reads 7,34
